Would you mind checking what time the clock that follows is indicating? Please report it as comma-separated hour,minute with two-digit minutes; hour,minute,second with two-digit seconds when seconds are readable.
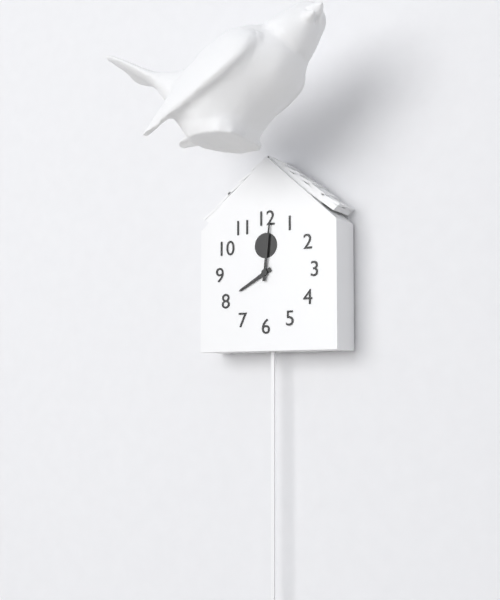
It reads 8,01
